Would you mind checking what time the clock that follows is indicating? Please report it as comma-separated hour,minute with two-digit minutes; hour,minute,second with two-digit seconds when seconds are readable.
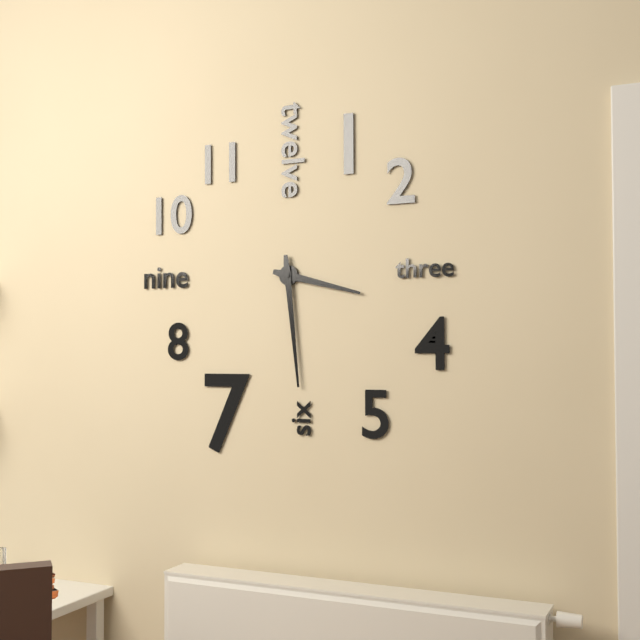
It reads 3,29
